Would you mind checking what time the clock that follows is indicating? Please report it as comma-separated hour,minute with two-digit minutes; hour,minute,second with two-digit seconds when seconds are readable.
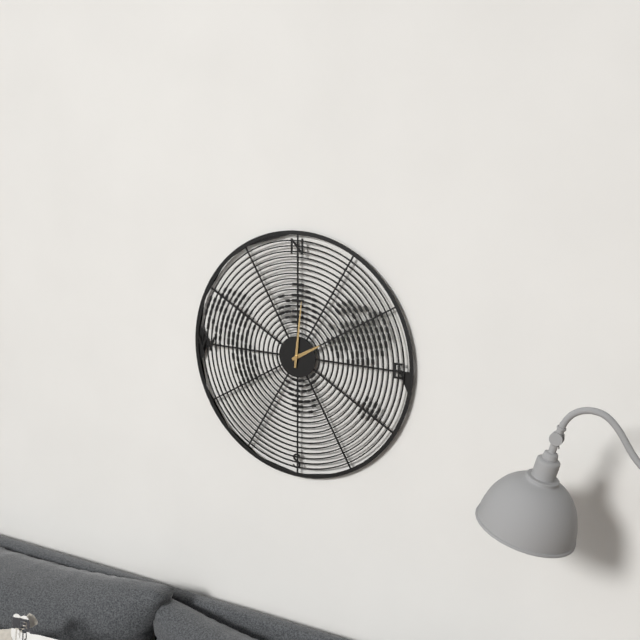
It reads 2,01
